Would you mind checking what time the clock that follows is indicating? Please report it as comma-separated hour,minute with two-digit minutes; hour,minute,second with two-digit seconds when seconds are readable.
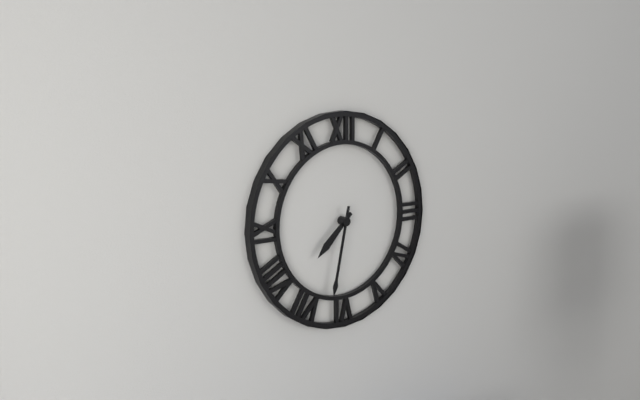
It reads 7,32
